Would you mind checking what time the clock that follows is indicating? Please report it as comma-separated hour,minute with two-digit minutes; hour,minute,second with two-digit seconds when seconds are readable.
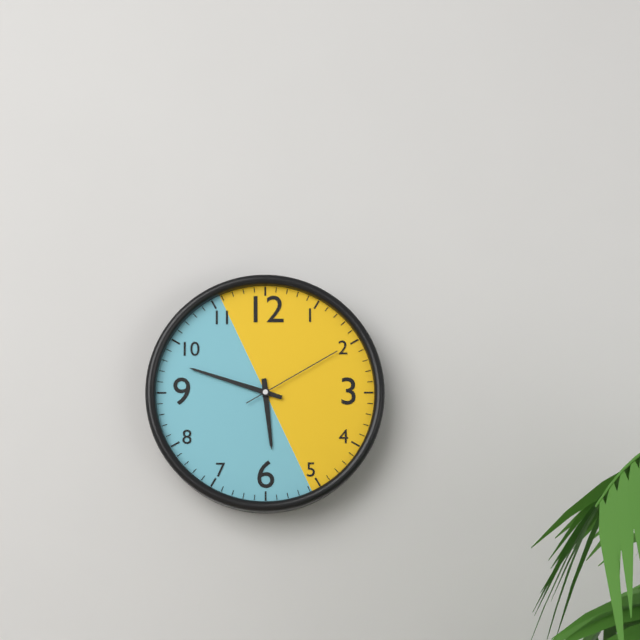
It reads 5,48,10
